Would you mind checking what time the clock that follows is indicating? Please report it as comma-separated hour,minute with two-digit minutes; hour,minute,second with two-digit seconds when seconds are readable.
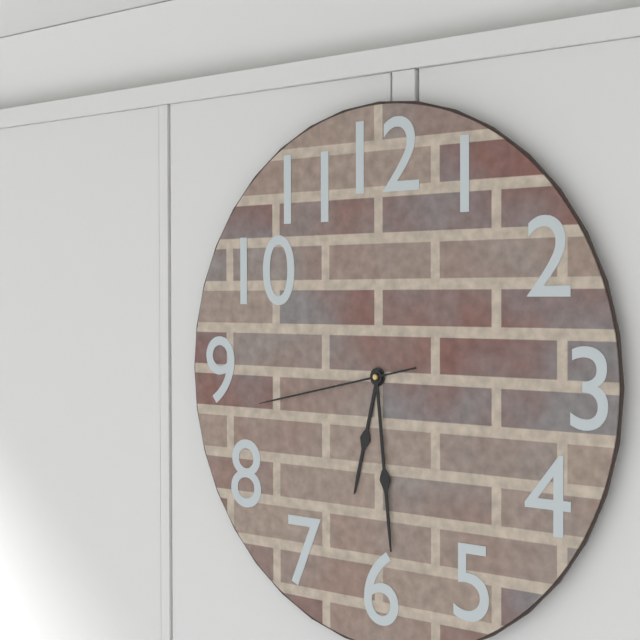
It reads 6,29,43
